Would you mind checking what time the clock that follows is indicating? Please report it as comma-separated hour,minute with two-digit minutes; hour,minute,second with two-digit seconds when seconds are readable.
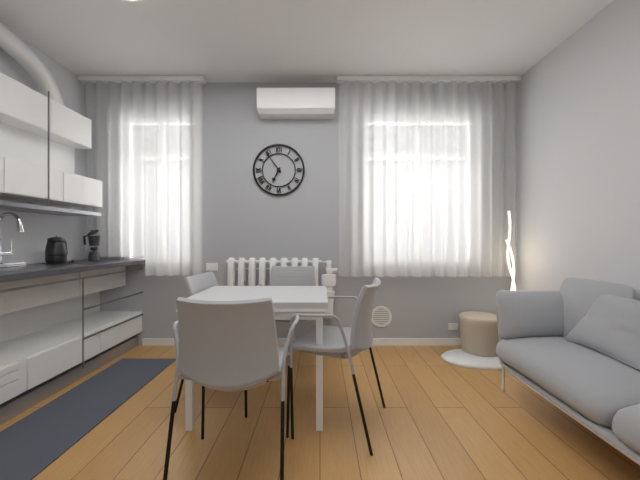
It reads 6,54
